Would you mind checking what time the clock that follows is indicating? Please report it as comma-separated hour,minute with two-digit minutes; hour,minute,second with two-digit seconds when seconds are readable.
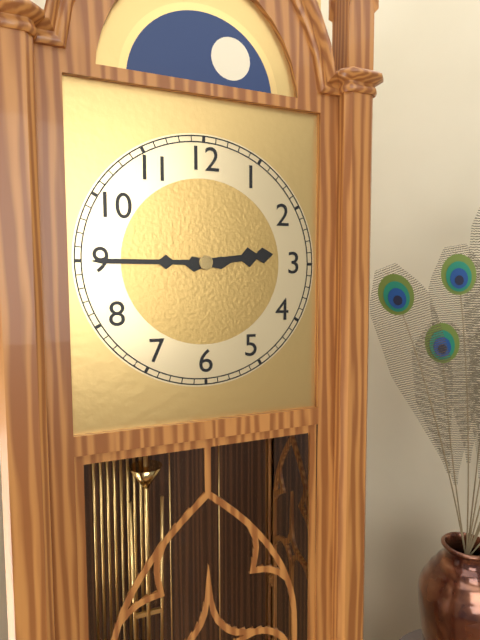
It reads 2,45
